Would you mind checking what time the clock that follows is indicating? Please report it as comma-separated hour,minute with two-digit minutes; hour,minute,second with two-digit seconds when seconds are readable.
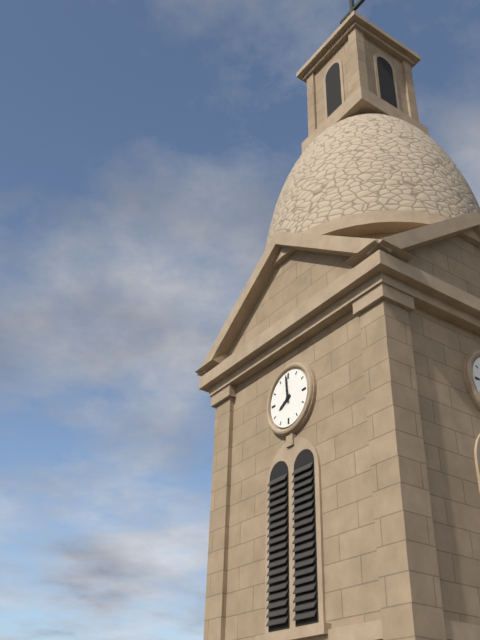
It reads 7,59
